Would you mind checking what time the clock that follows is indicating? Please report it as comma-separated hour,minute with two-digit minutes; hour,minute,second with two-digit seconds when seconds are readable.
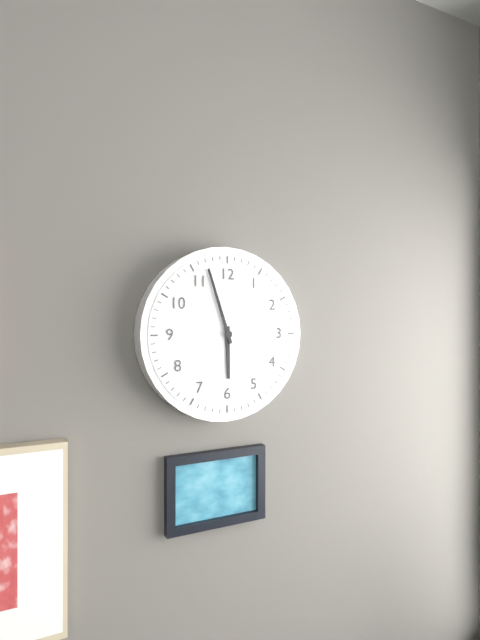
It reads 5,57
